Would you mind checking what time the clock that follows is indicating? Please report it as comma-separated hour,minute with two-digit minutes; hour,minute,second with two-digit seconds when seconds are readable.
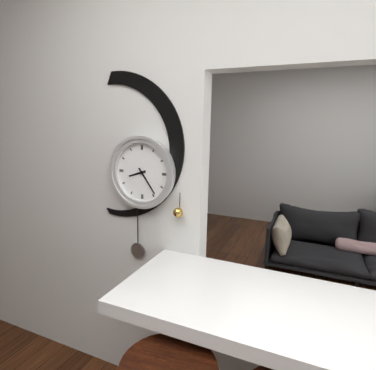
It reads 8,24
